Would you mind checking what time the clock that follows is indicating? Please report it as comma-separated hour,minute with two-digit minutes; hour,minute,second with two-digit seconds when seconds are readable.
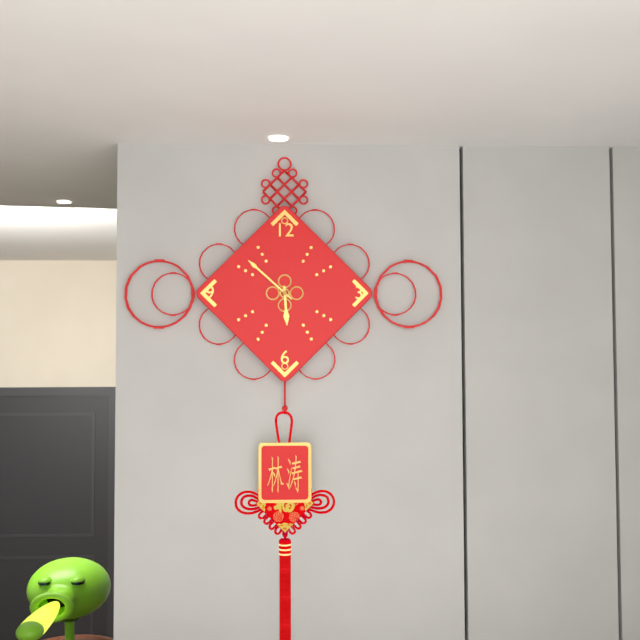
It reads 5,52
